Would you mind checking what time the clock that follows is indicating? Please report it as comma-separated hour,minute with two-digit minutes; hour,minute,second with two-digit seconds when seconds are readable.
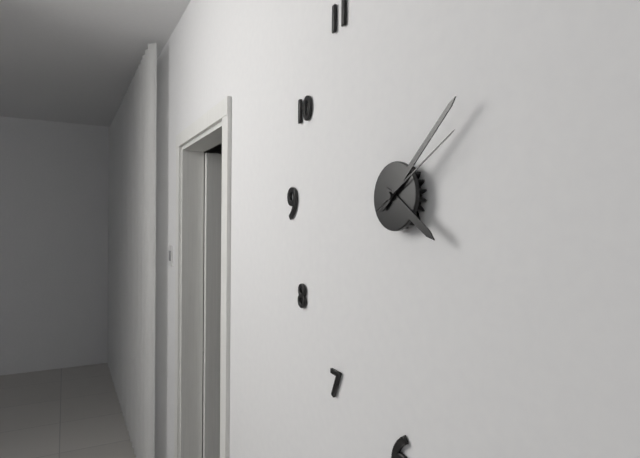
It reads 4,08,10
